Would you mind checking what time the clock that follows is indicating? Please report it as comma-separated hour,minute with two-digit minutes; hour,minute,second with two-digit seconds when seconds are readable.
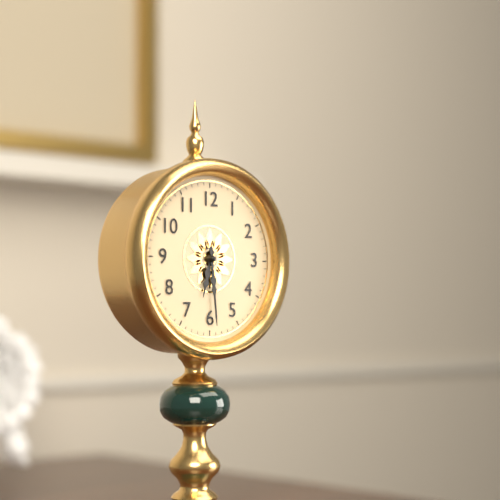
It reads 6,29
